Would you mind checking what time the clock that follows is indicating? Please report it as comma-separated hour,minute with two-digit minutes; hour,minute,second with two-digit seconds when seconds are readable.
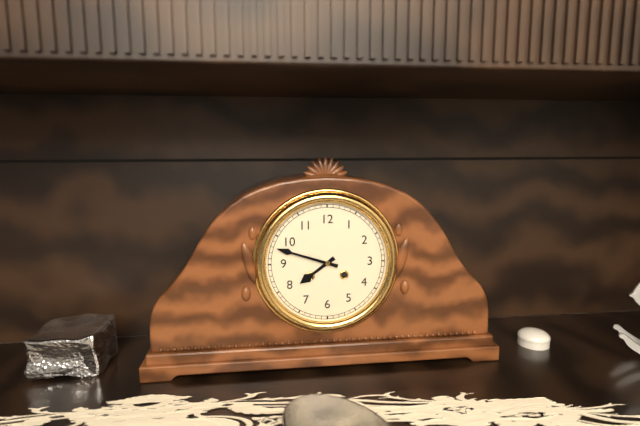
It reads 7,48
